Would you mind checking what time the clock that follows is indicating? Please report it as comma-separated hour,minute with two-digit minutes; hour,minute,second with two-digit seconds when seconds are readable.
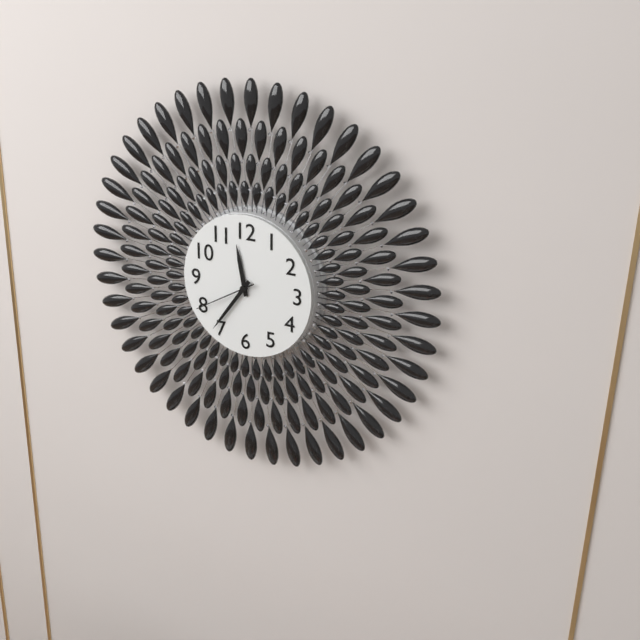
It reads 11,36,40
